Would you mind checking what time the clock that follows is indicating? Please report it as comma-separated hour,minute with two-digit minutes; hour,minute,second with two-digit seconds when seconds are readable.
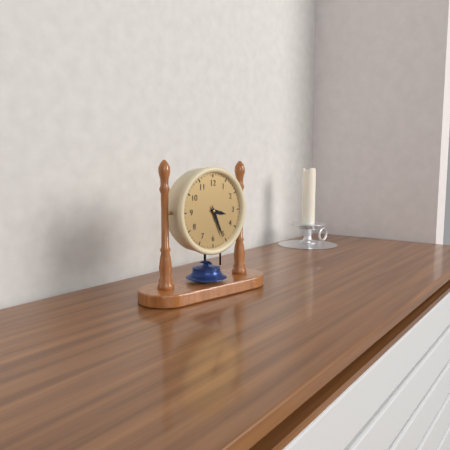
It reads 3,26
